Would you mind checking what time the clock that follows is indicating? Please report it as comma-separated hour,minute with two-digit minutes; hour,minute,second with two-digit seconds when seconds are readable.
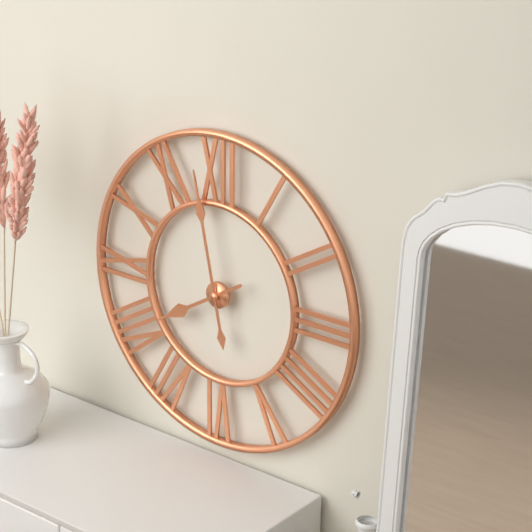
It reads 7,58
